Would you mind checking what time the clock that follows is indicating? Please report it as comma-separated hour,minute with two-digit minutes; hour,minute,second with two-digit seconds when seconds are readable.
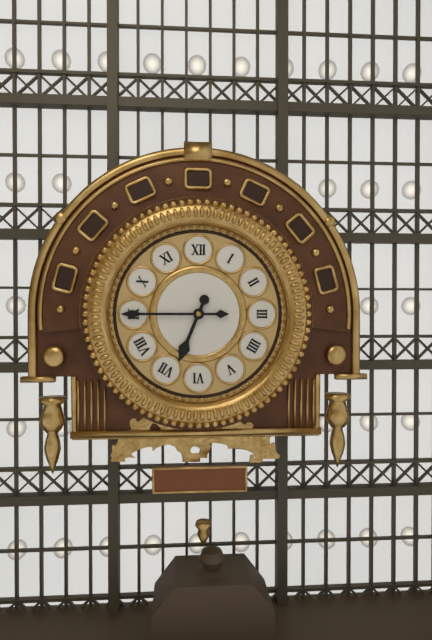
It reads 6,45
